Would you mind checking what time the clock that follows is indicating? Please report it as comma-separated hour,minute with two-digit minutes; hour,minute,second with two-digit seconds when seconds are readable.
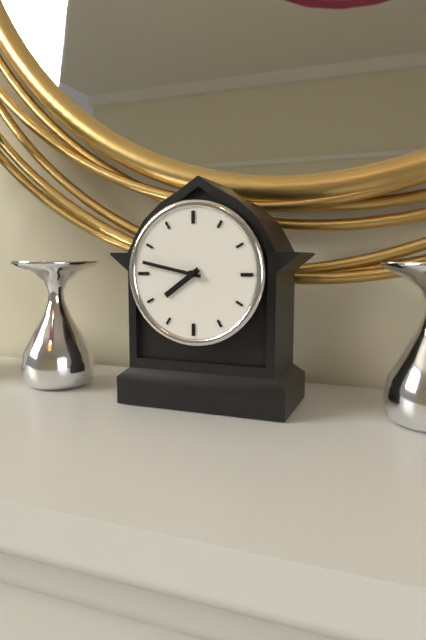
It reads 7,47
